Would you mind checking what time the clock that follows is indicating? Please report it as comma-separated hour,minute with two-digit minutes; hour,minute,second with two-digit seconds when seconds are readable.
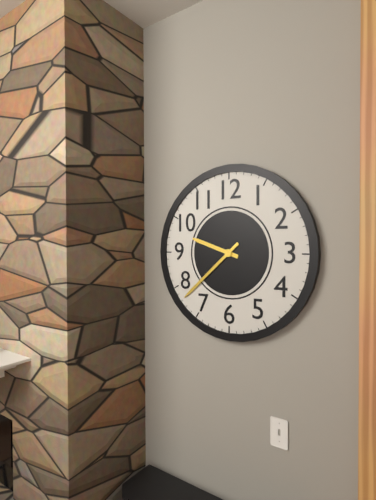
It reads 9,38
